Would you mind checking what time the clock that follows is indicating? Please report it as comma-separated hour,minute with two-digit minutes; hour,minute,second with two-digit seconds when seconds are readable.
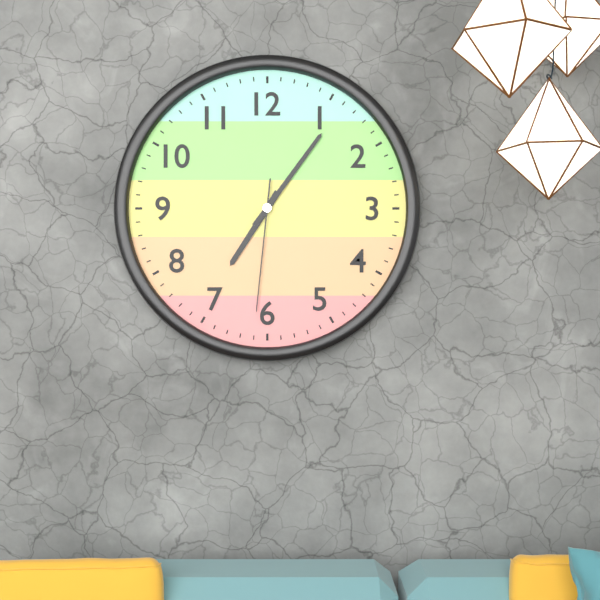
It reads 7,06,31
